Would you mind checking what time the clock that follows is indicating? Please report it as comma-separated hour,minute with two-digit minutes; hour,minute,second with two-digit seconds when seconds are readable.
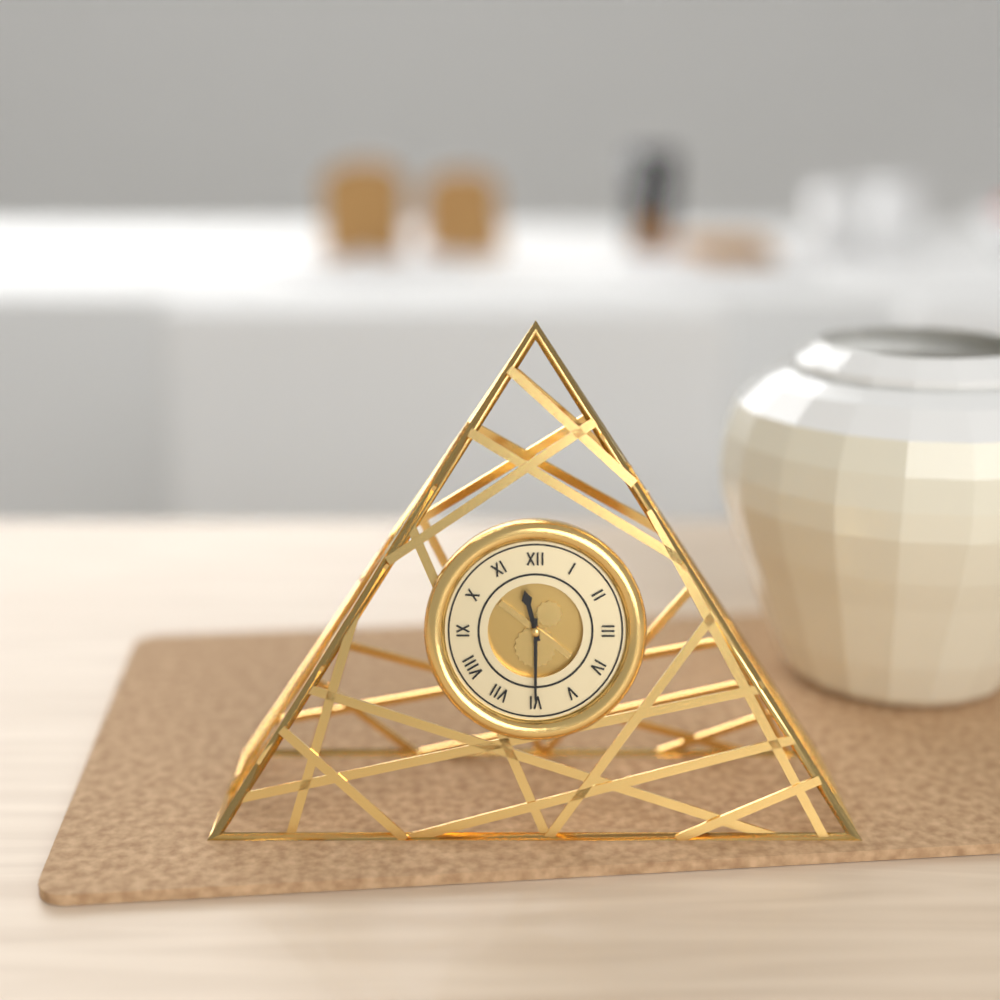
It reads 11,30
